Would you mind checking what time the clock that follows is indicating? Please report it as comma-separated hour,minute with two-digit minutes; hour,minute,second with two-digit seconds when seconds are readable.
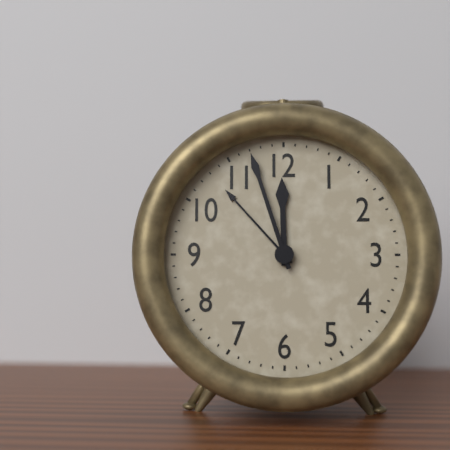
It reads 11,57
